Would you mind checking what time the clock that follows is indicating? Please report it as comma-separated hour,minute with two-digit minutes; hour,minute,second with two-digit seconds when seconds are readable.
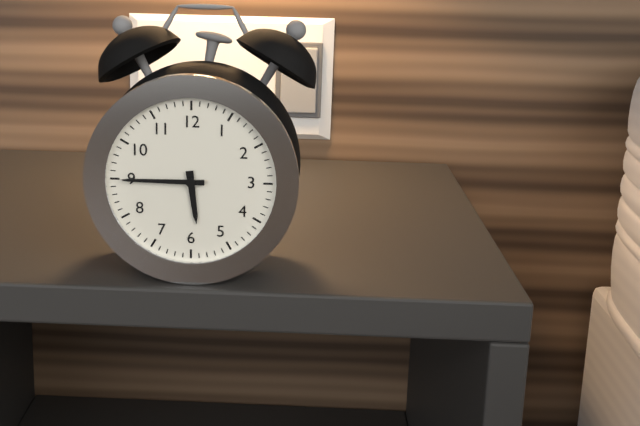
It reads 5,45
